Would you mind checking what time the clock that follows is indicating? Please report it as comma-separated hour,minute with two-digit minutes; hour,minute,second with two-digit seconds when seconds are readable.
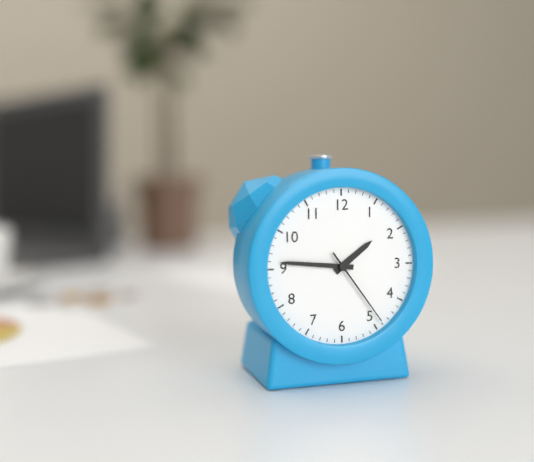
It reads 1,46,24
